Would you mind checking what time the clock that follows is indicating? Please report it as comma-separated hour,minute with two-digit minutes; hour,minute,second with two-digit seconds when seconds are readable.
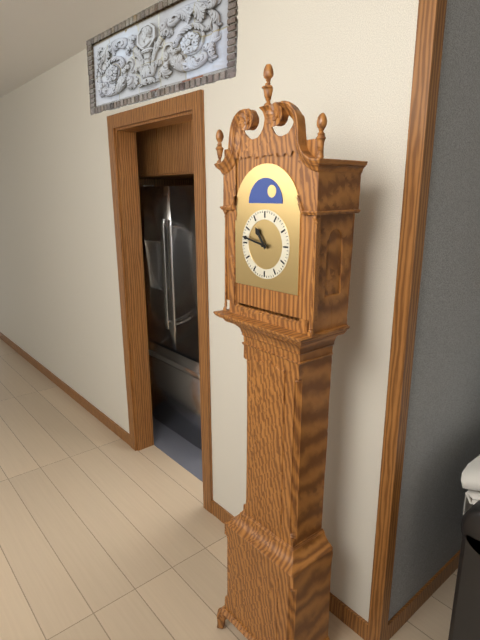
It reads 10,47
